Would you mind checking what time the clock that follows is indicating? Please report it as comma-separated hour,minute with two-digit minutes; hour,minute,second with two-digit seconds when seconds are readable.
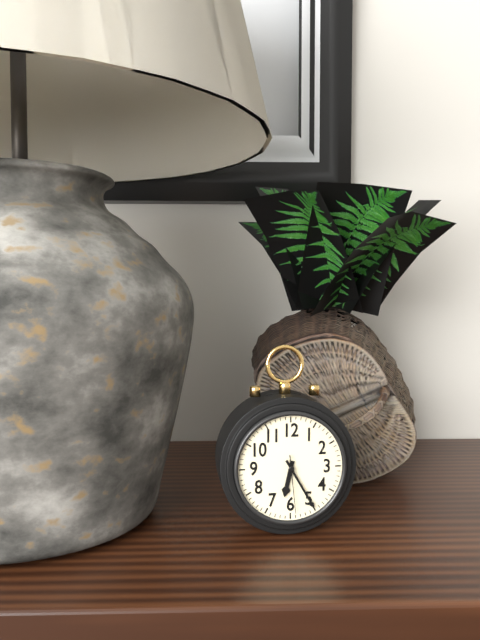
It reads 6,25,29
